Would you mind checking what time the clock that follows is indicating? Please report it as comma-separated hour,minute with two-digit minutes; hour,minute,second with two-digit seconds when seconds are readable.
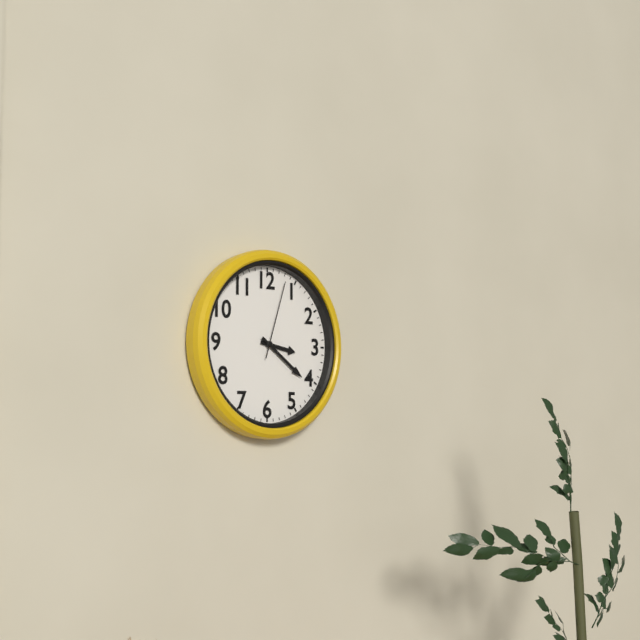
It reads 3,21,03
